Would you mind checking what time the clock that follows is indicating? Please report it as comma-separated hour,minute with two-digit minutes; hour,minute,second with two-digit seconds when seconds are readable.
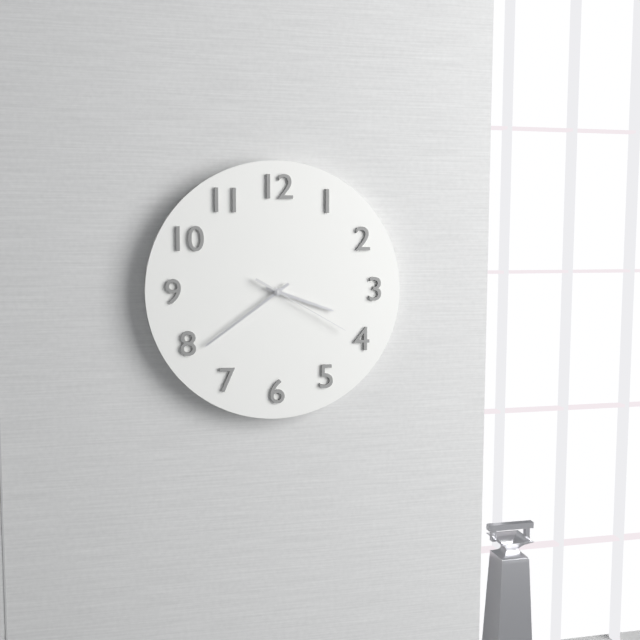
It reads 3,39,20
